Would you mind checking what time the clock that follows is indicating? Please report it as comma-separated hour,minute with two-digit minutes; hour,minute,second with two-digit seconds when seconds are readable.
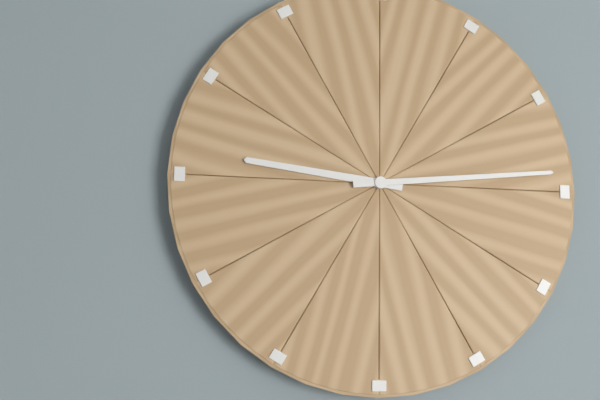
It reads 9,14
